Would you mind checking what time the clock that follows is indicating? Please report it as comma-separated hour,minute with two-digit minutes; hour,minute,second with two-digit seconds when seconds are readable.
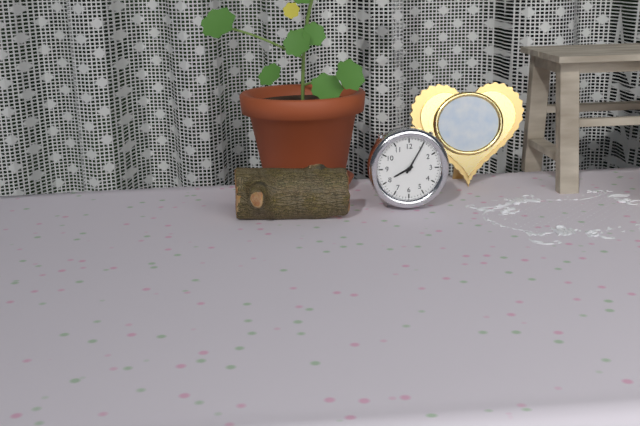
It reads 8,05
